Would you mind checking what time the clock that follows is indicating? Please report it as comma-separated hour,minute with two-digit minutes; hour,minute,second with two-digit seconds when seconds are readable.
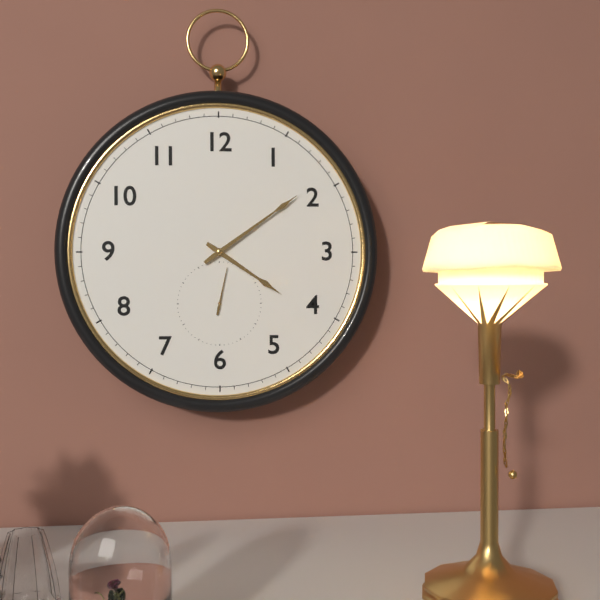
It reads 4,09
